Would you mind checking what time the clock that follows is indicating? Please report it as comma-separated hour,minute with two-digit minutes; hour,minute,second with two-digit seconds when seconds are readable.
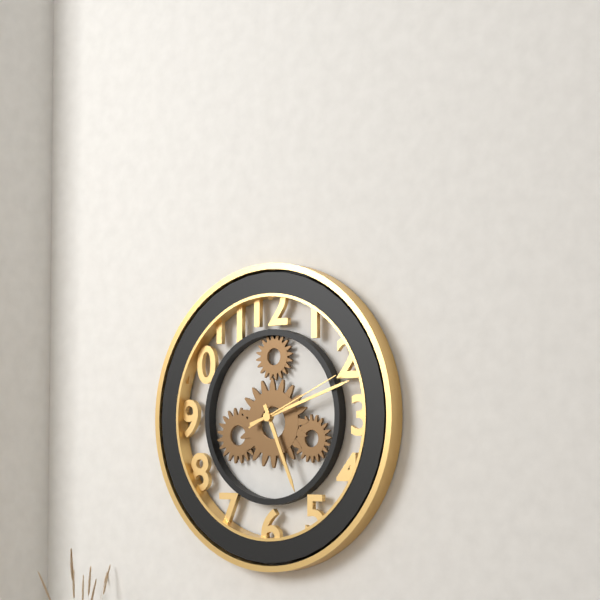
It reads 5,12,11
